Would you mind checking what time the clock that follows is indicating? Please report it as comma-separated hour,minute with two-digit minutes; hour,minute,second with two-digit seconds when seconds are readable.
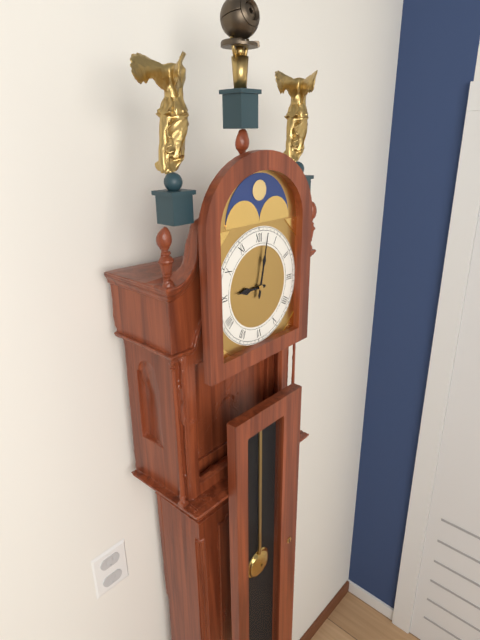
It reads 9,02
